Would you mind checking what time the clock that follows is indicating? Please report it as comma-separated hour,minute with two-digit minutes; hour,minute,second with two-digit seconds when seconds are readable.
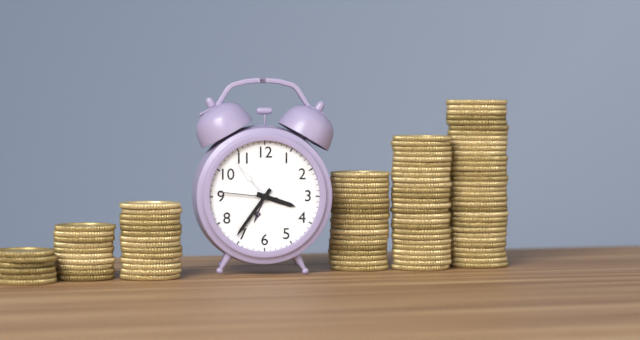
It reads 3,36,46
